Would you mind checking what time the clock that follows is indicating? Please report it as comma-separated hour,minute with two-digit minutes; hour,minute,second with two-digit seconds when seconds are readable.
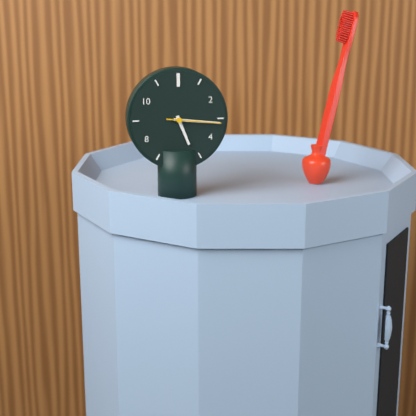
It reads 5,16,16
